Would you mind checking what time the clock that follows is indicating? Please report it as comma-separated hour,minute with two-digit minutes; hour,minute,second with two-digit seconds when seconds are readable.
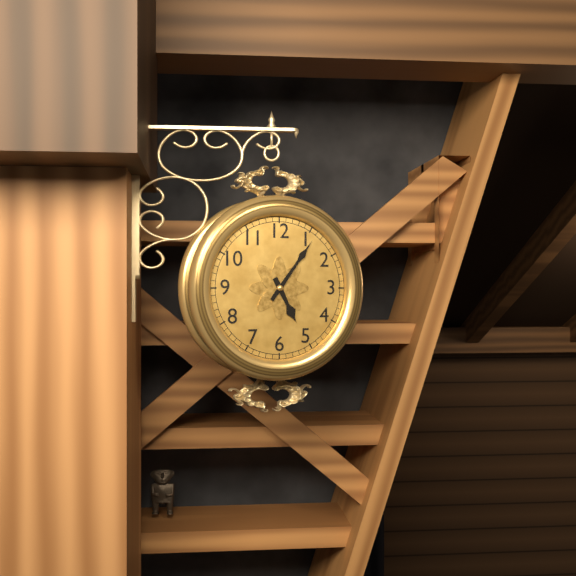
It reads 5,06
